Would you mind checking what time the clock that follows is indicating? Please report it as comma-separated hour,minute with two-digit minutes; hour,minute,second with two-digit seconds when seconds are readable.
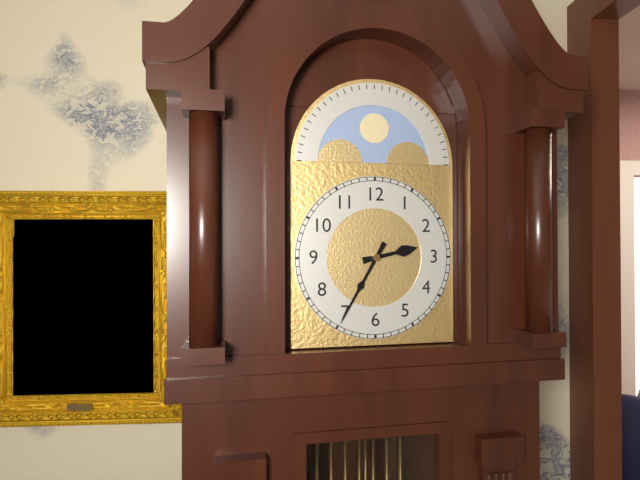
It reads 2,35
